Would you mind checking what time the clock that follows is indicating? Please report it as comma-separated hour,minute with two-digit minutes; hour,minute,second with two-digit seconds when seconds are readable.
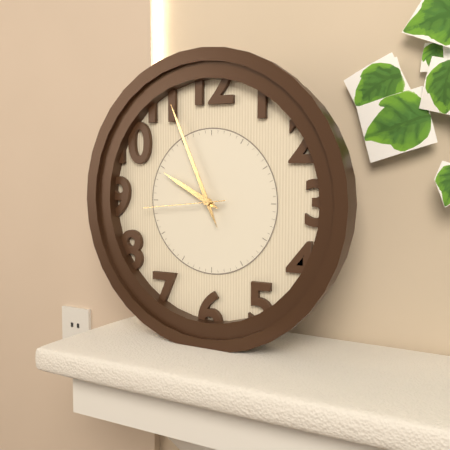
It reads 9,56,44
